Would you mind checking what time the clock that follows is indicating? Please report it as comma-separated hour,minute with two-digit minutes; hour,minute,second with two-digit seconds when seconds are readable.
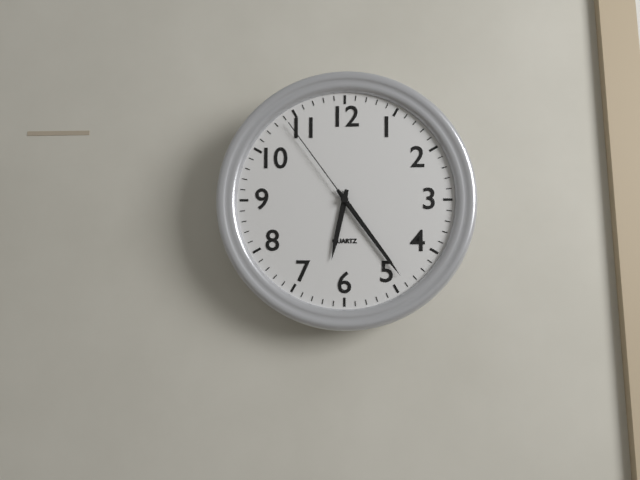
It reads 6,24,54
